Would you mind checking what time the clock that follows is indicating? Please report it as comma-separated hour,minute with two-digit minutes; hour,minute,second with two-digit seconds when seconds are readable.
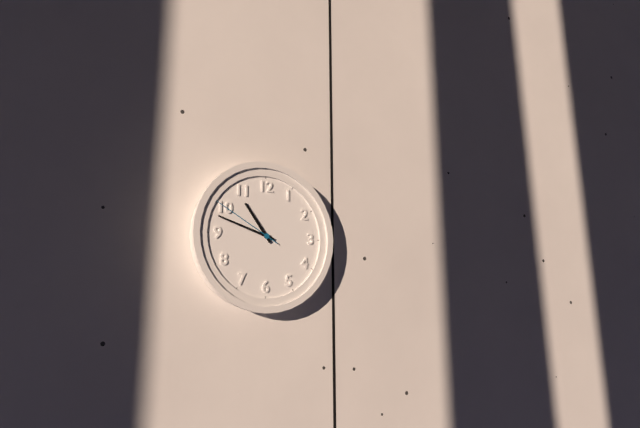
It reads 10,48,50
